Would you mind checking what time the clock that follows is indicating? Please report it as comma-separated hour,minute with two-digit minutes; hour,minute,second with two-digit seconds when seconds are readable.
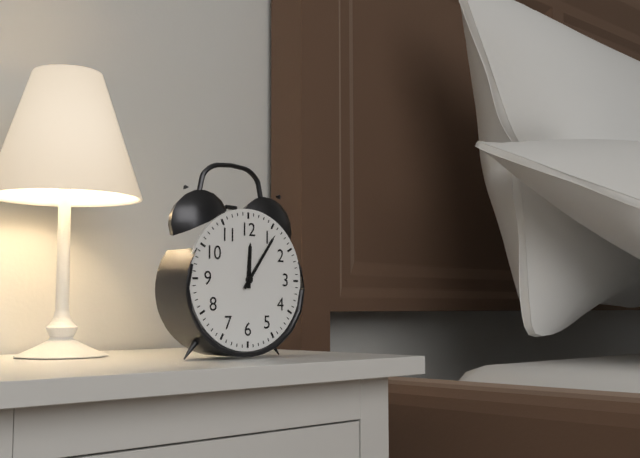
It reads 12,06
